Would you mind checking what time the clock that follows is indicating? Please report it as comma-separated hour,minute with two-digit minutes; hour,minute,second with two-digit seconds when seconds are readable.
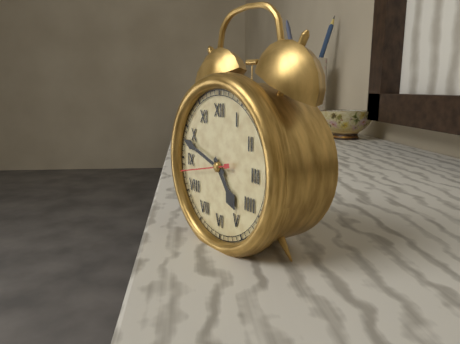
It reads 4,48,43
